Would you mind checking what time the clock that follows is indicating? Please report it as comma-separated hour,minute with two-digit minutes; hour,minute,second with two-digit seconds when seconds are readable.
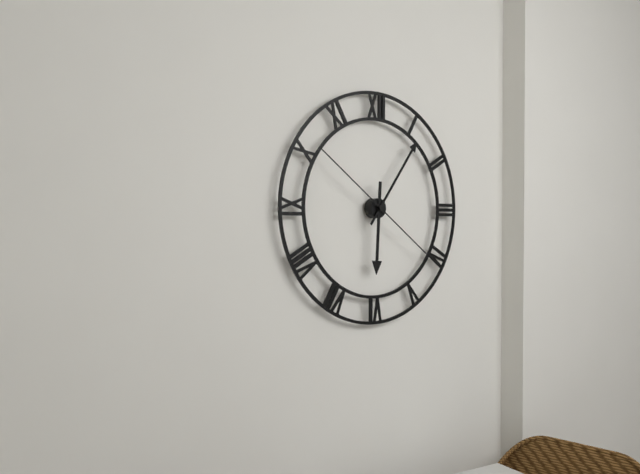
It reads 6,06,21
